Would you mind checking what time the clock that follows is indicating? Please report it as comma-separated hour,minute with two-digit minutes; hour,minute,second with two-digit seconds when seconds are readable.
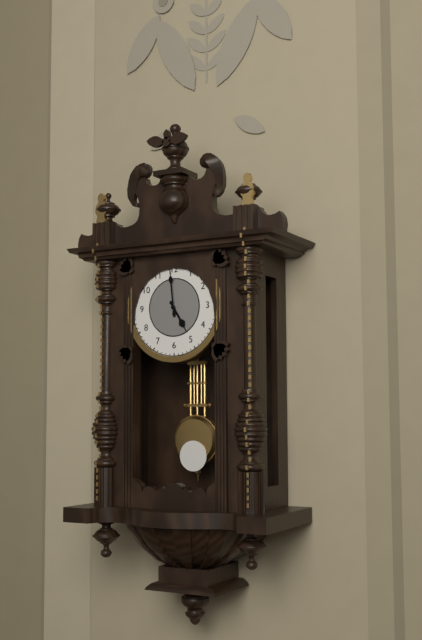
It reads 4,59
